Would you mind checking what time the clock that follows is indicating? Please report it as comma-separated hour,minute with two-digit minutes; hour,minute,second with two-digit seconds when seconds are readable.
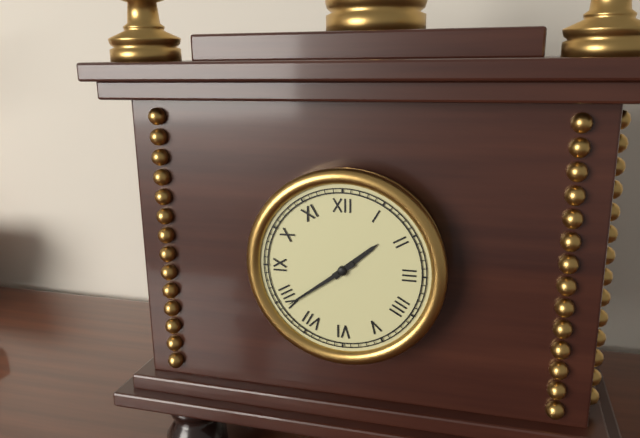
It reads 1,39
